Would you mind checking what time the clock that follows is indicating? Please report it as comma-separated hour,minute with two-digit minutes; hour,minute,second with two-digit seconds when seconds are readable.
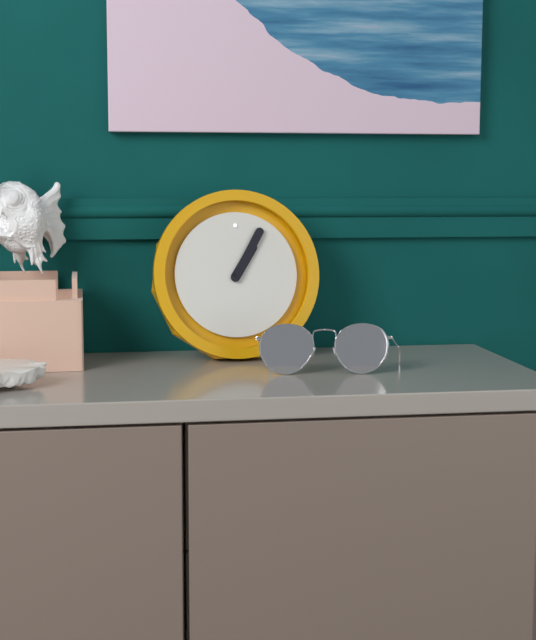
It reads 1,05
